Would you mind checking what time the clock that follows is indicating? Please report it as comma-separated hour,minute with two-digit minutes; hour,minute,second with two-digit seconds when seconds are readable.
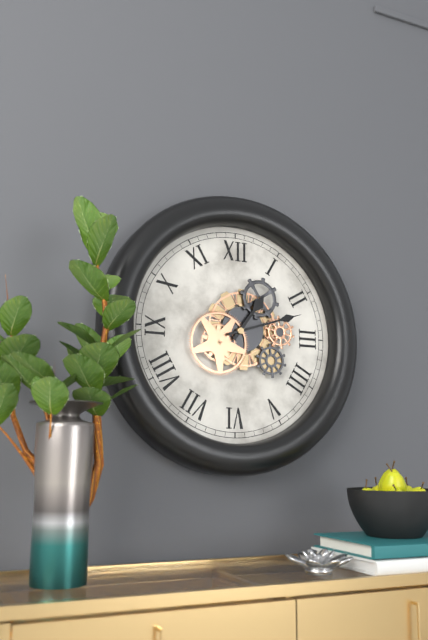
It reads 1,12
